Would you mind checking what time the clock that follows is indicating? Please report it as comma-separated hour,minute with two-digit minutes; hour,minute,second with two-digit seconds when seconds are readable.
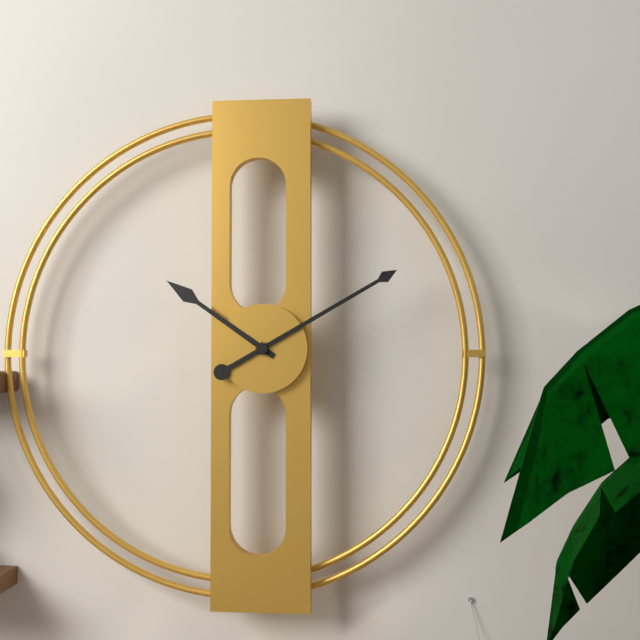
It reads 10,10
